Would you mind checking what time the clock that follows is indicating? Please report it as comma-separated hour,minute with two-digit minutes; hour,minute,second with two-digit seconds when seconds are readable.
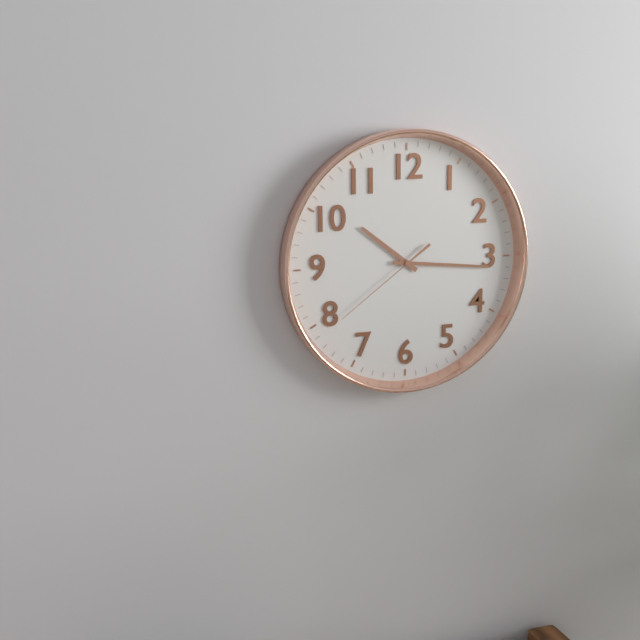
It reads 10,16,39
